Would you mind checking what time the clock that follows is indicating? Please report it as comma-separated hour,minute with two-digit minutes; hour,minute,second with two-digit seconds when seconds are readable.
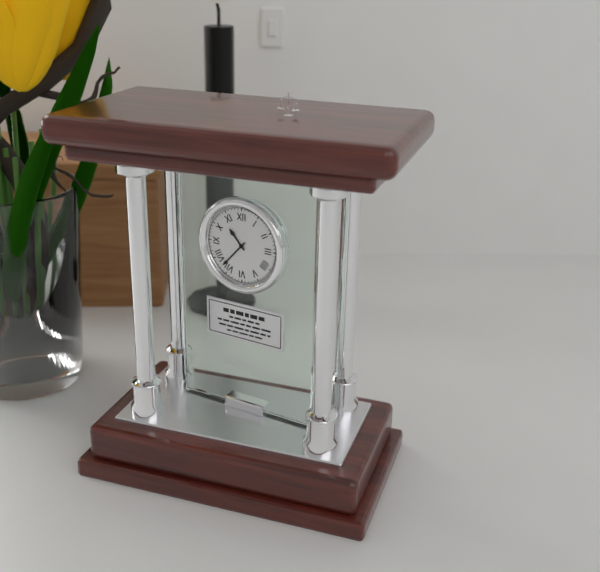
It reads 10,37
